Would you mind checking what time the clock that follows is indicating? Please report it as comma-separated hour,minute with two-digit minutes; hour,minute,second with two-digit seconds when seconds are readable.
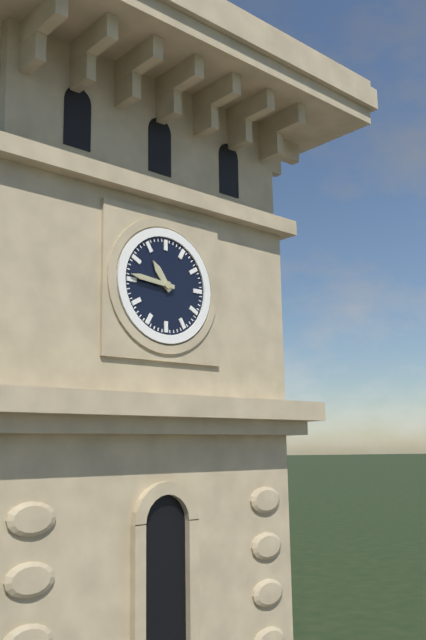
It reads 10,46
